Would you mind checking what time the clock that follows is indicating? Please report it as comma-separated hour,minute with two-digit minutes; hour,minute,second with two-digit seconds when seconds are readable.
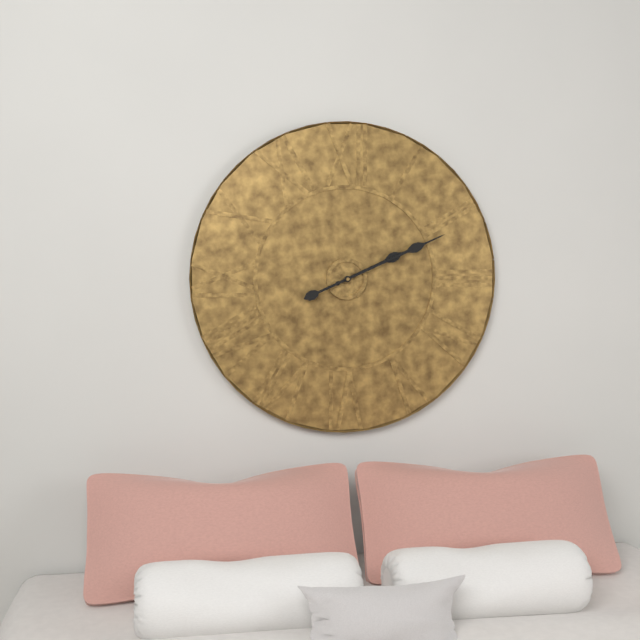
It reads 2,11
